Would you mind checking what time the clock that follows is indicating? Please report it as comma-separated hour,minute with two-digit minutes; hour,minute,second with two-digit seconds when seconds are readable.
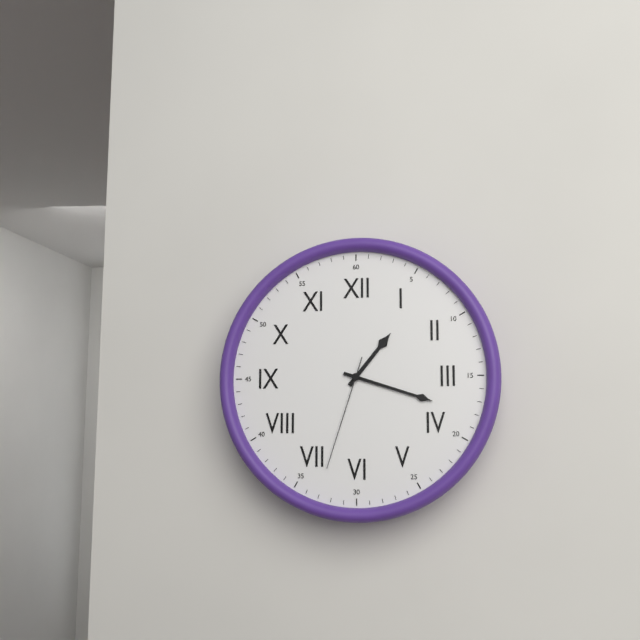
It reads 1,18,33
